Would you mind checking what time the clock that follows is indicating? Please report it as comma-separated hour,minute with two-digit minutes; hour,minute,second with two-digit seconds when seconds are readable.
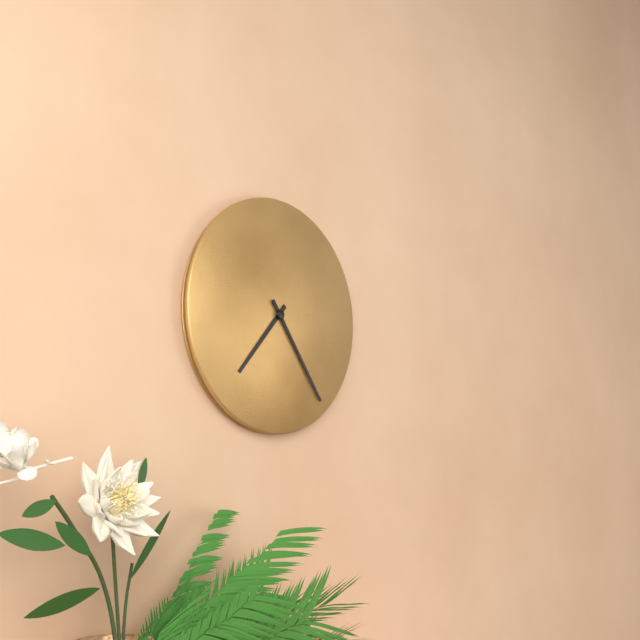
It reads 7,24
